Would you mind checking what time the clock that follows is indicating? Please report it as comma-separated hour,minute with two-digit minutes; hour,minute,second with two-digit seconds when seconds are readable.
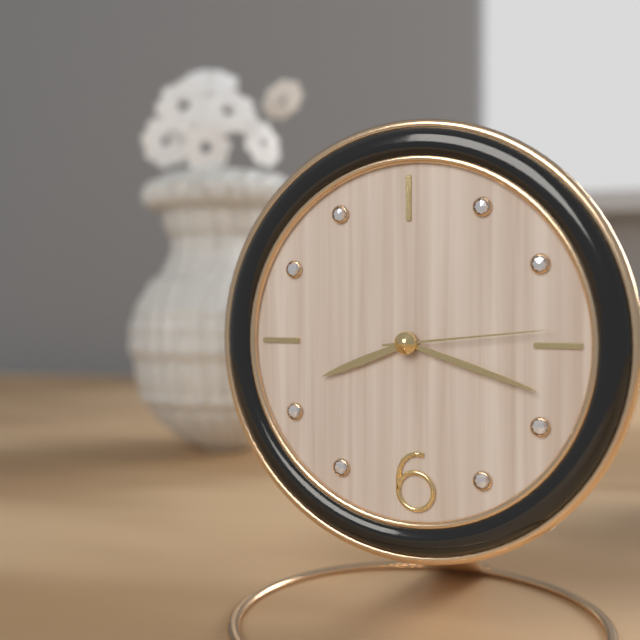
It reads 8,18,14
